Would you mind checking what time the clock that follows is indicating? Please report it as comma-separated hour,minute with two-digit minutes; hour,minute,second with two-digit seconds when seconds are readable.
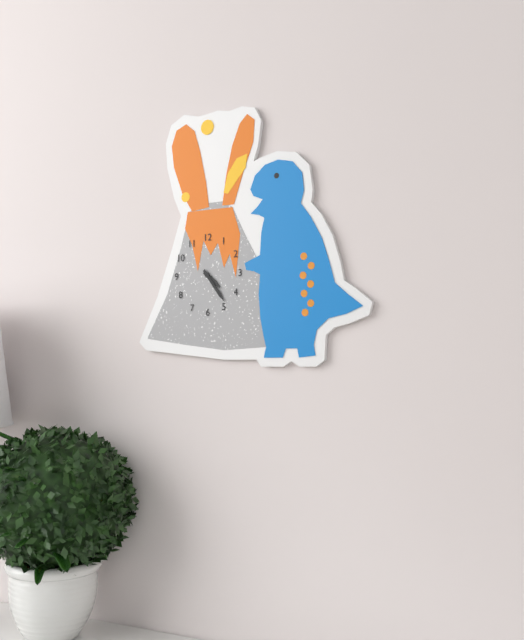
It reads 4,24
